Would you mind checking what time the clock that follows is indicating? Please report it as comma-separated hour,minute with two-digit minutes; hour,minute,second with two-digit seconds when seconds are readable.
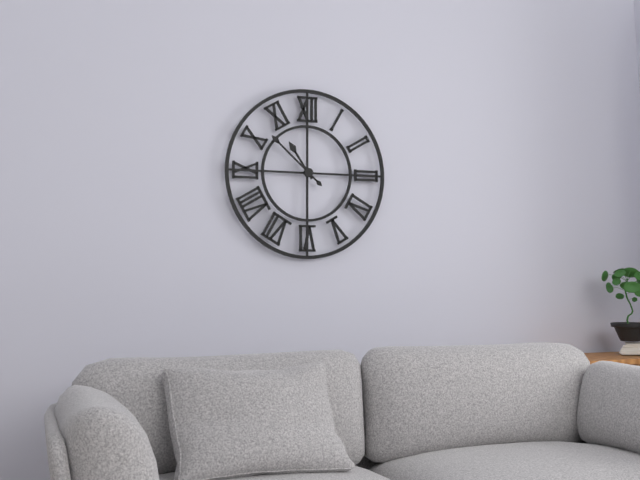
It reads 10,52
